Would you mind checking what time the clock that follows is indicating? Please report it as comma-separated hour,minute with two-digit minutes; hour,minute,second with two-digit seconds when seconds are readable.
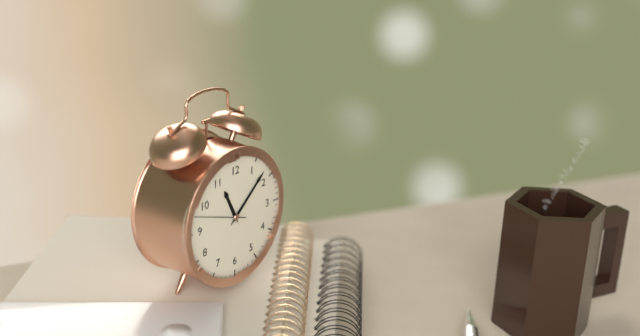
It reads 11,08,48
